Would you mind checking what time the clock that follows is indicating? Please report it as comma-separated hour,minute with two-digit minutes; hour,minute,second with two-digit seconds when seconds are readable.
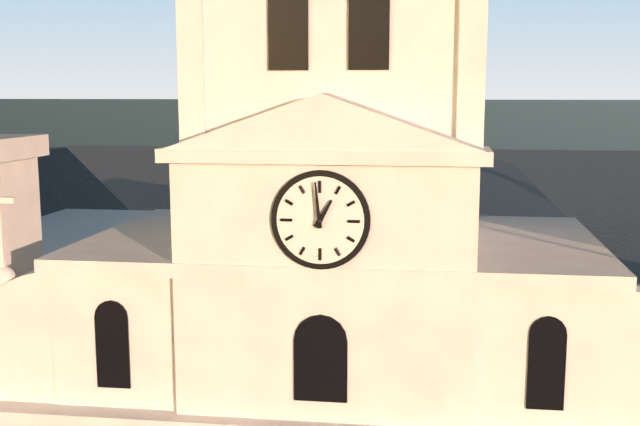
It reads 12,59
